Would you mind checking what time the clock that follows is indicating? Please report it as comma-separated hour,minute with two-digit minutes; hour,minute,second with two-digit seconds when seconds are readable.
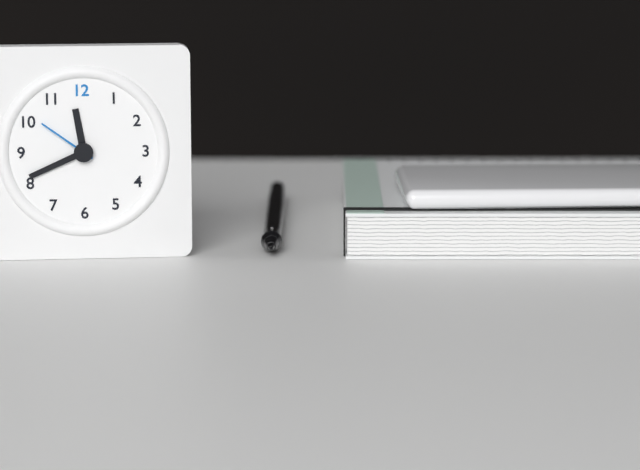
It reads 11,41,51
